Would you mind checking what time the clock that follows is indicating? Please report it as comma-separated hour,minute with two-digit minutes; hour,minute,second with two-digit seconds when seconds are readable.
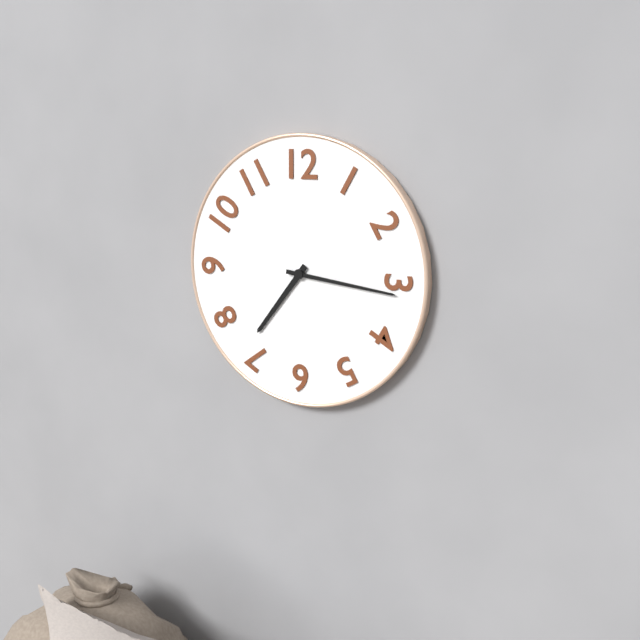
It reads 7,16
